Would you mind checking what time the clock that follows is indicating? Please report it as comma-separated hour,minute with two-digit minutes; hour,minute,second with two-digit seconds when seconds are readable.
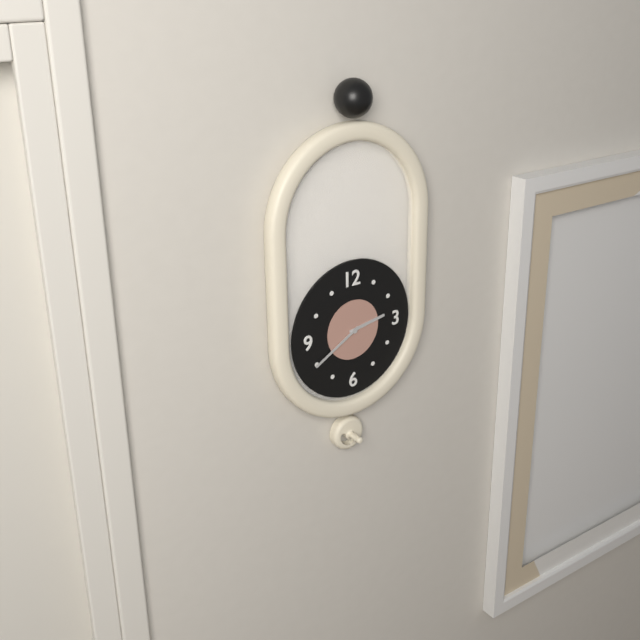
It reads 2,40
